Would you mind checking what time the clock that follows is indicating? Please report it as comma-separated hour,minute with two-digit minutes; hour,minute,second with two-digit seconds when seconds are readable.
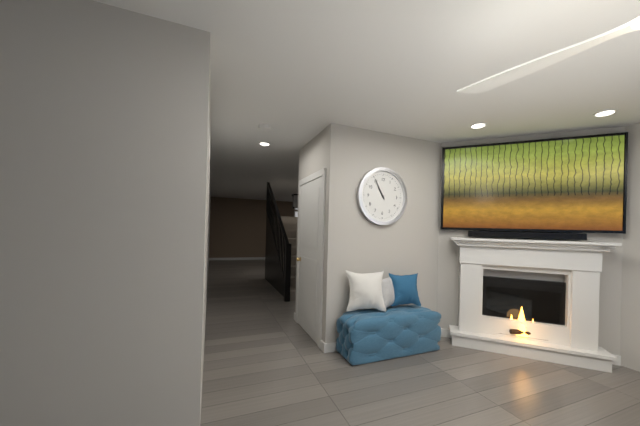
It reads 10,55
